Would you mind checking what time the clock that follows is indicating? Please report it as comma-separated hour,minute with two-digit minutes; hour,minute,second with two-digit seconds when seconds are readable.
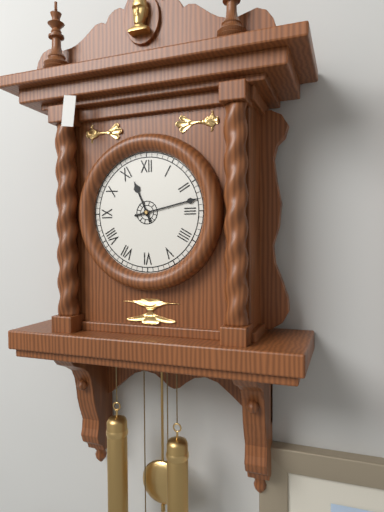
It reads 11,13
